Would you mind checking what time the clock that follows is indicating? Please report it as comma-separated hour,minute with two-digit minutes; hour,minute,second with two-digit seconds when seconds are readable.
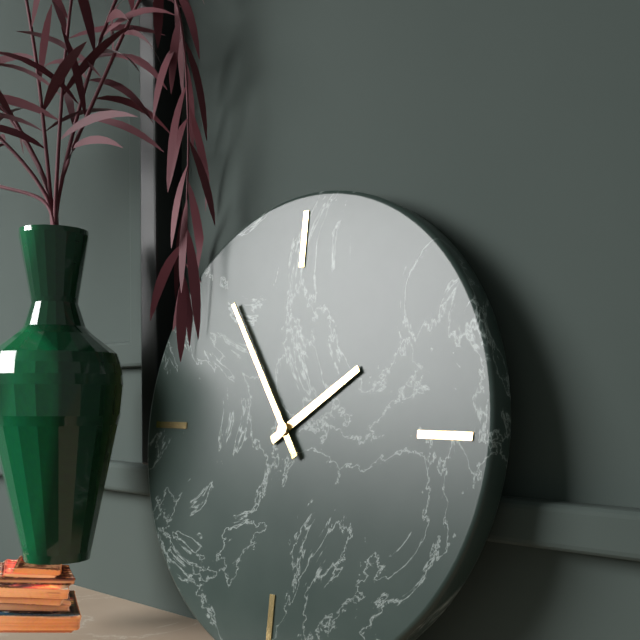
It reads 1,54
